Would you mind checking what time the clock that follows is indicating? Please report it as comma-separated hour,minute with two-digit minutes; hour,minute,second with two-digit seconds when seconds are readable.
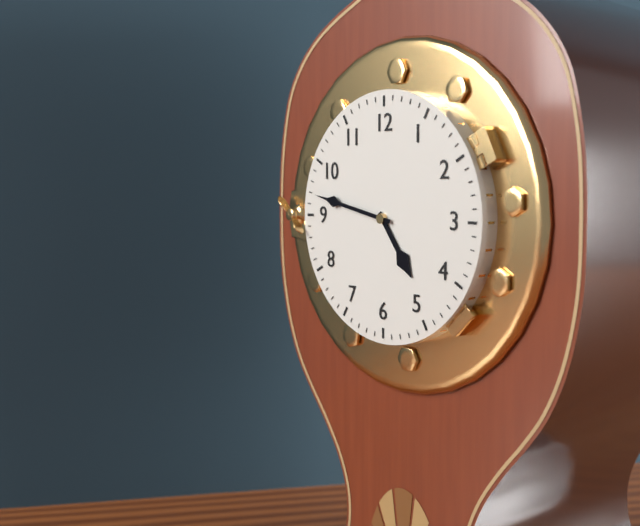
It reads 4,47
